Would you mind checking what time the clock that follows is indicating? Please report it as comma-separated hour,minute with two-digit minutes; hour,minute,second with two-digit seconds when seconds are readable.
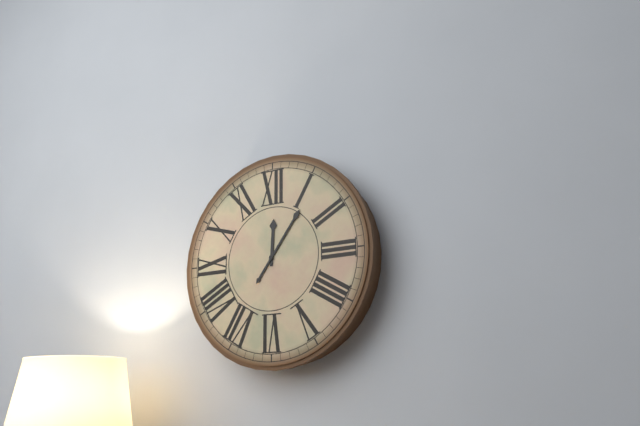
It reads 12,06
